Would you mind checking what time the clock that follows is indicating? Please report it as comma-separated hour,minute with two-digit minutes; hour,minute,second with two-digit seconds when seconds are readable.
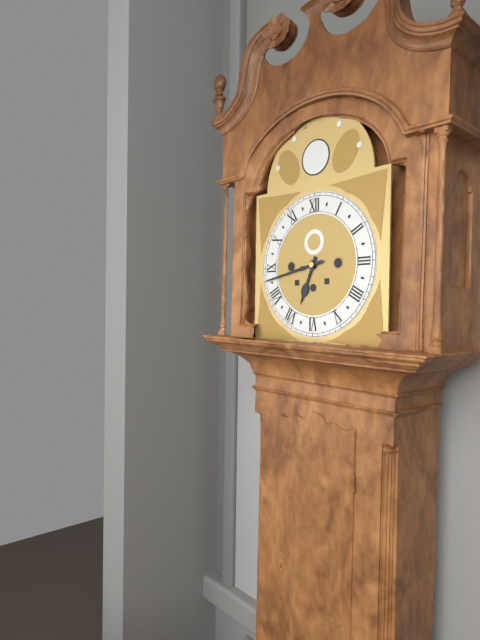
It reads 6,43
